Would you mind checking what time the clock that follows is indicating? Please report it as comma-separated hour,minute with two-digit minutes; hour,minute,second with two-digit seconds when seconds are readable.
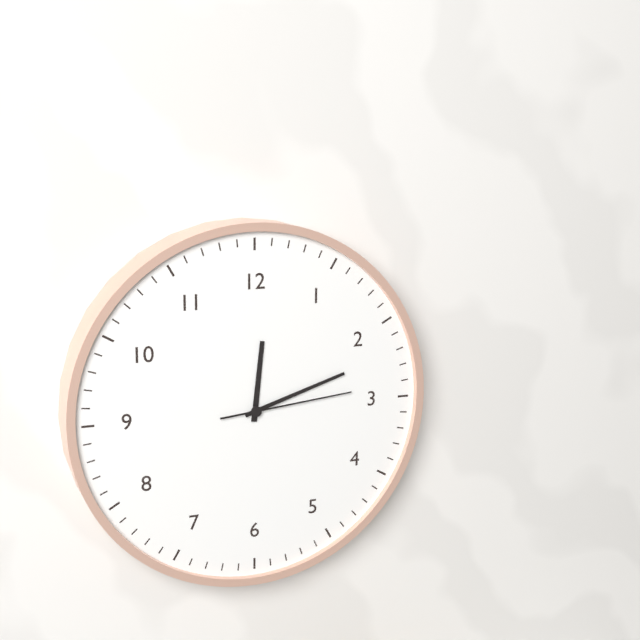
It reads 12,12,14
